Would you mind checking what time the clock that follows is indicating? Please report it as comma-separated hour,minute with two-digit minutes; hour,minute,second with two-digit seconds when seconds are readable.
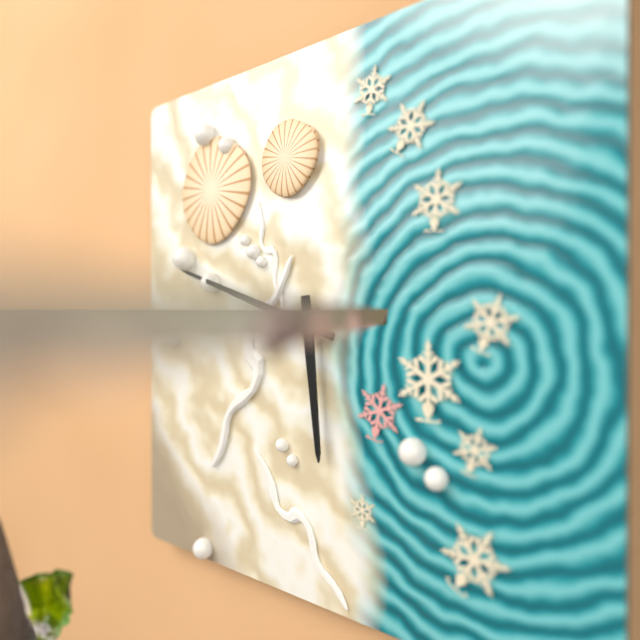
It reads 5,48
